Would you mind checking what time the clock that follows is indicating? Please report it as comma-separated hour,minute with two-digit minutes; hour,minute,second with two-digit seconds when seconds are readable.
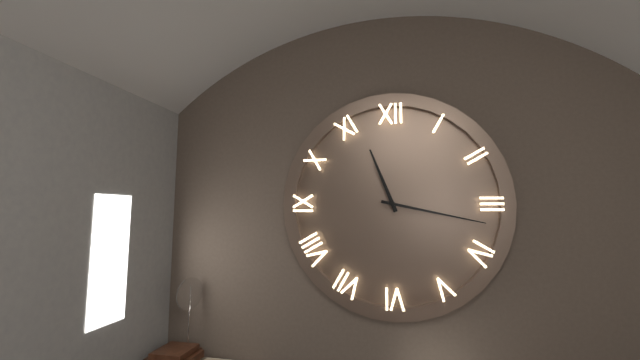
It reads 11,17
